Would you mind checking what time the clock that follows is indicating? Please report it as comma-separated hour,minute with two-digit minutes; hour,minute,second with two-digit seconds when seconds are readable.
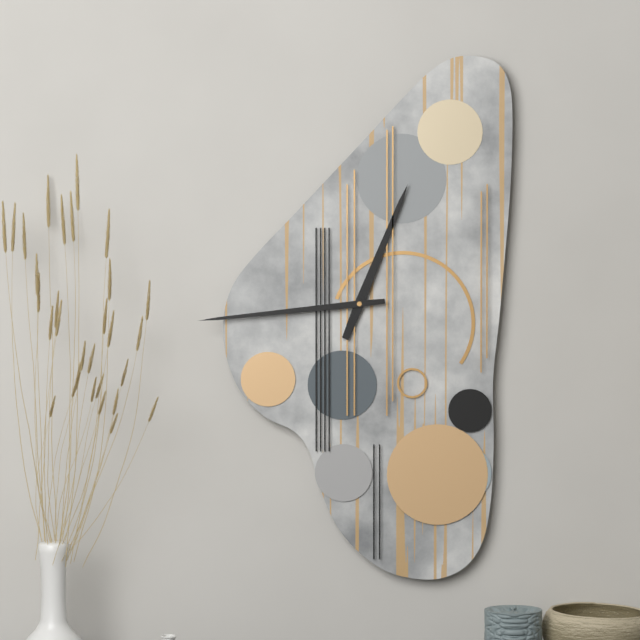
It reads 12,44
